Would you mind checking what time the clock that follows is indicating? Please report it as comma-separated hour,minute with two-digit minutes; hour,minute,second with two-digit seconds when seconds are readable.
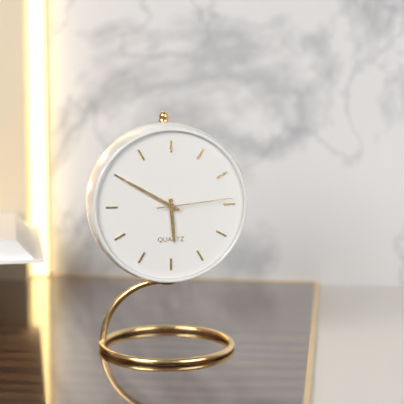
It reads 5,50,14
